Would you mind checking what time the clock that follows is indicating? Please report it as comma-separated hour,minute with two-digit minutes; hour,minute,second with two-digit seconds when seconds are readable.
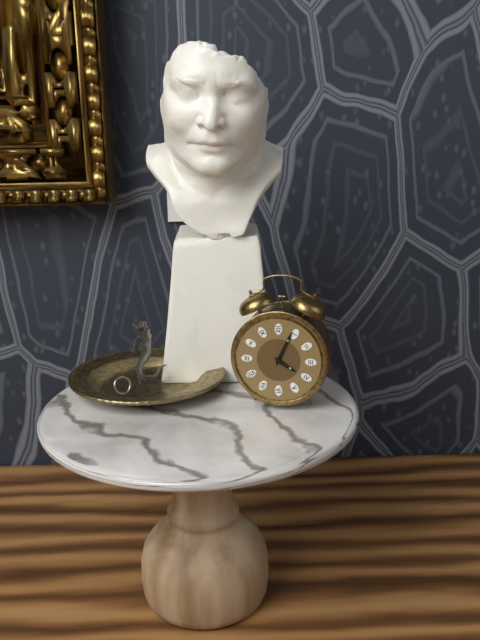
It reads 4,04
